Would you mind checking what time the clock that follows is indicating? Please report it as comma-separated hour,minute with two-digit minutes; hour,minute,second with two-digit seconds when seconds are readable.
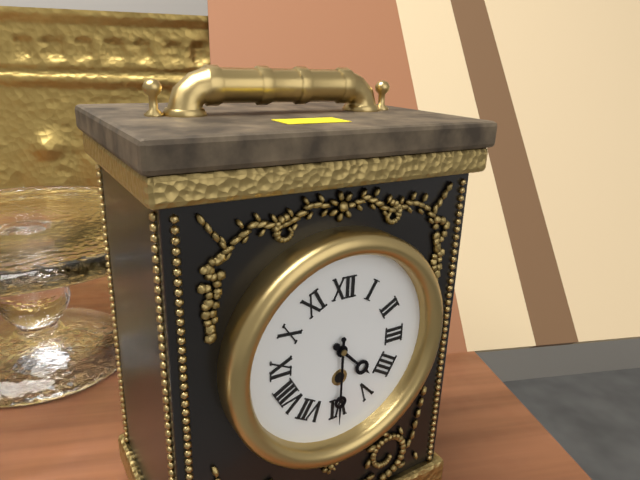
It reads 4,30
